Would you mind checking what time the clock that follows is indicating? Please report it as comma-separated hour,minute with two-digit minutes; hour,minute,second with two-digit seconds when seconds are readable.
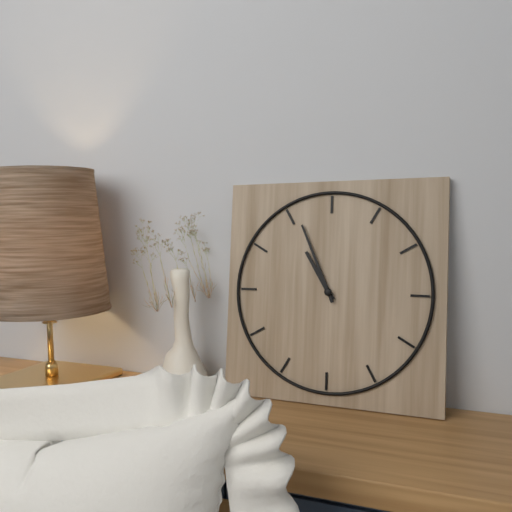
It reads 10,56
